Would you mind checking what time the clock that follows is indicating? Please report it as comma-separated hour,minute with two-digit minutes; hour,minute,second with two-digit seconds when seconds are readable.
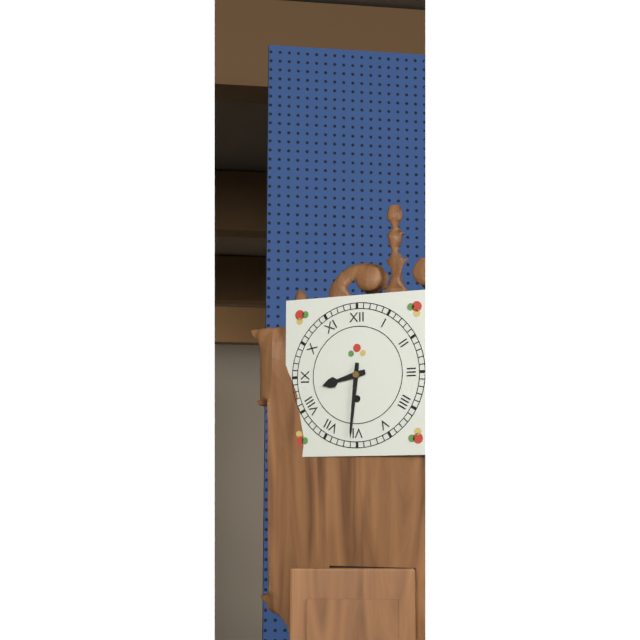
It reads 8,31
